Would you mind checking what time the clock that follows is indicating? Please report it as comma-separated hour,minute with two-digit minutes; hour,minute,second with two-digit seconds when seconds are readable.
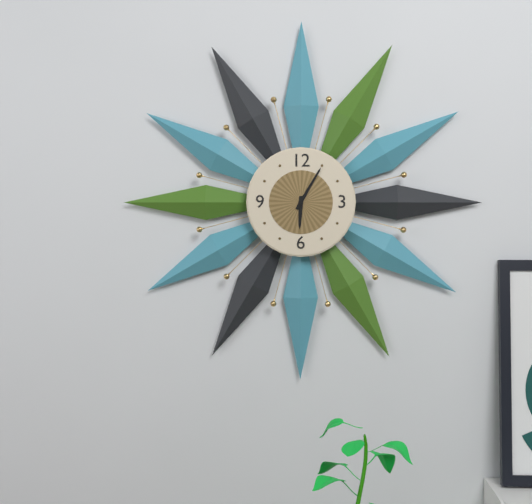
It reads 6,05
